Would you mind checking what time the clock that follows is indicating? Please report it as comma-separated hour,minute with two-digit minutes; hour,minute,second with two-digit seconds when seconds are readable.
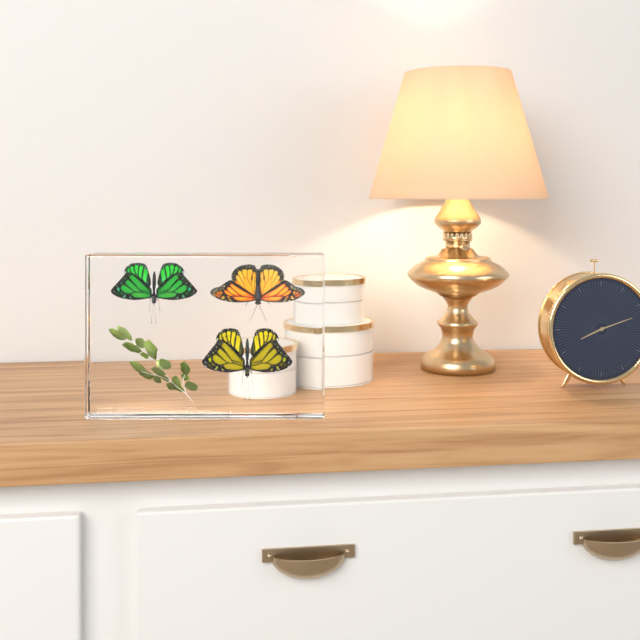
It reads 8,12
